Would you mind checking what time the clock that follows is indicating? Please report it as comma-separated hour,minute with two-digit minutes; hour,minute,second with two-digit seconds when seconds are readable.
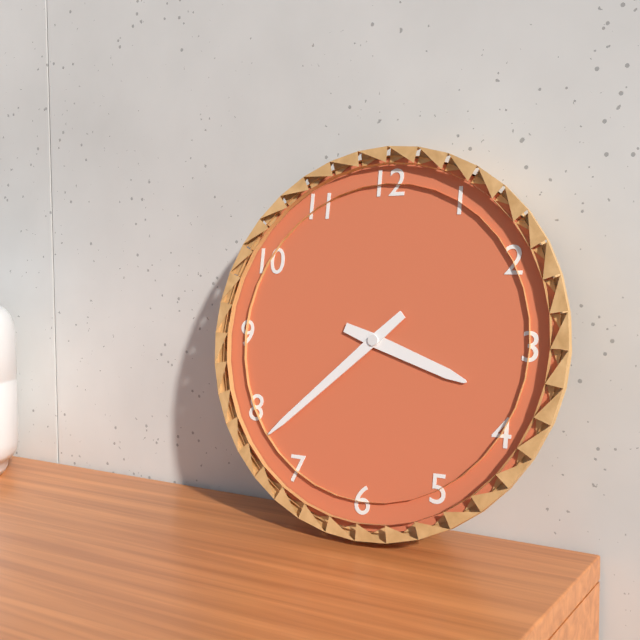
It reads 3,38
